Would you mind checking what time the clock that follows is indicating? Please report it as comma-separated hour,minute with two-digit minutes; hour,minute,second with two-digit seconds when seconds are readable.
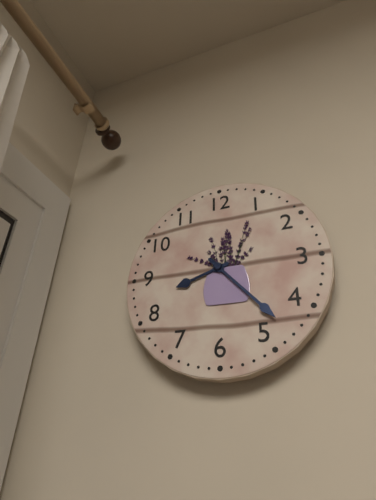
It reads 8,23
